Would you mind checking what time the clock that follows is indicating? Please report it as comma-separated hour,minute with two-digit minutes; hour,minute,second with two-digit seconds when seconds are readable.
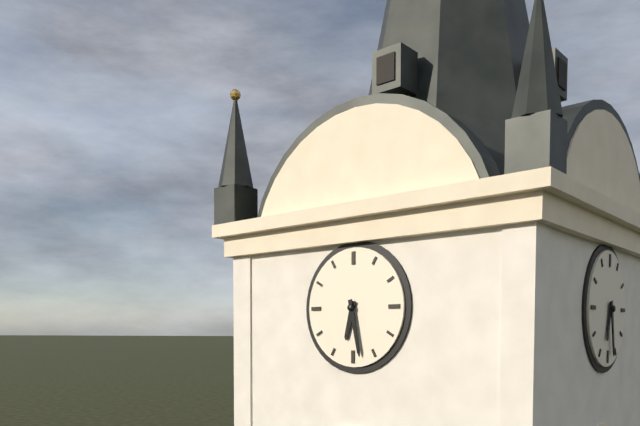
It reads 6,28
